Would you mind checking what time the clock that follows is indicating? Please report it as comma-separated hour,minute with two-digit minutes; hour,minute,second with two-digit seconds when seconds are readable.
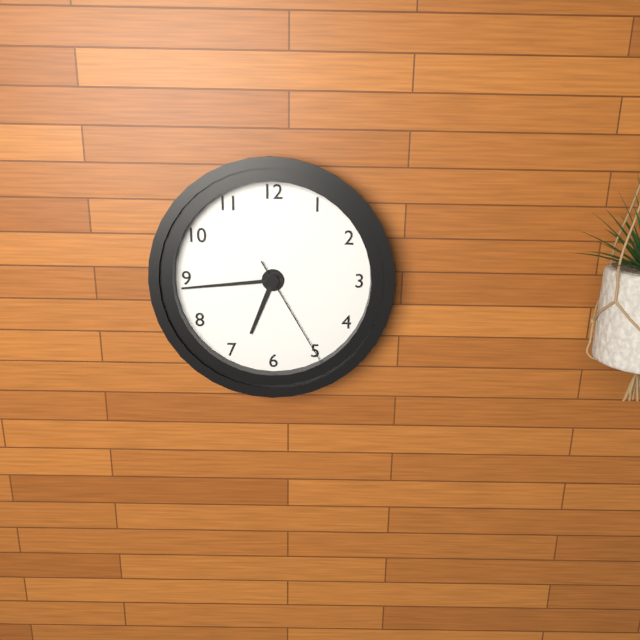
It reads 6,44,25
